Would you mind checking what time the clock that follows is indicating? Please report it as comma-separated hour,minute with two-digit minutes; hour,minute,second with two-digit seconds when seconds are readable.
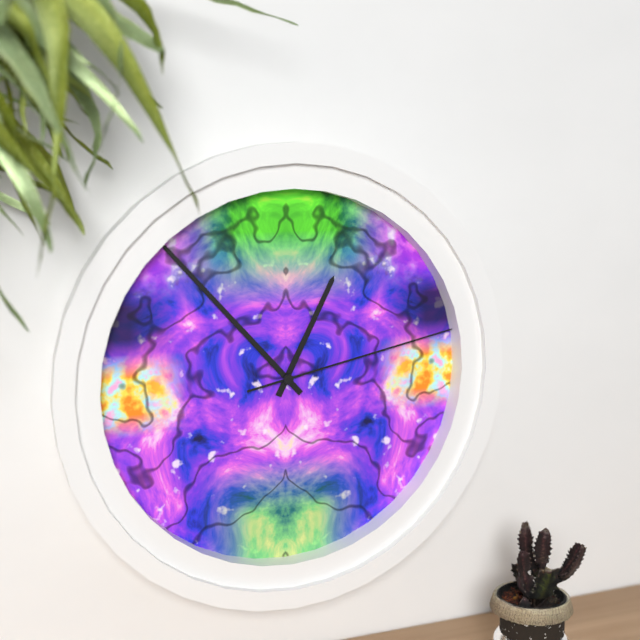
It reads 12,53,13
